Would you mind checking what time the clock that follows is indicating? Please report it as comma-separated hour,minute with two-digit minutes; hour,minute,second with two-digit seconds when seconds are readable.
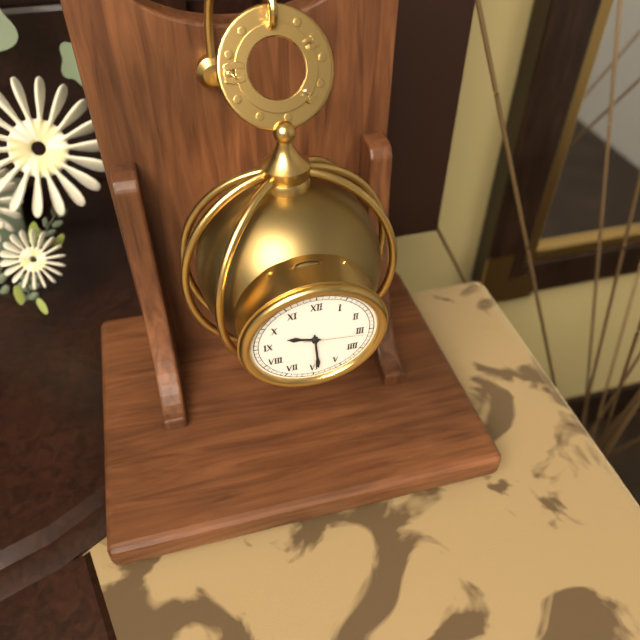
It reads 9,29,16
